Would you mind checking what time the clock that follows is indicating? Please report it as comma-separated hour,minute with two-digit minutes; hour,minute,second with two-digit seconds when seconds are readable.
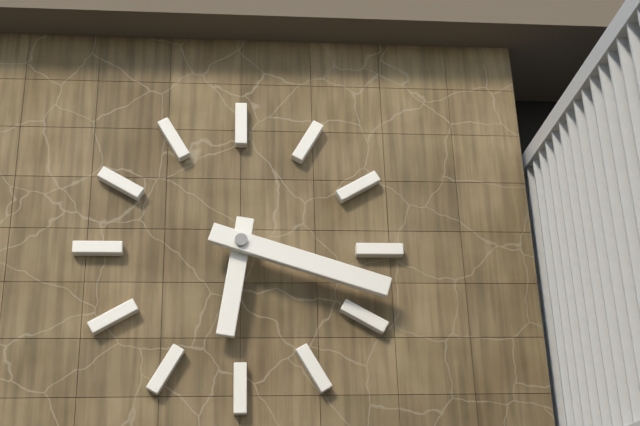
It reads 6,18
